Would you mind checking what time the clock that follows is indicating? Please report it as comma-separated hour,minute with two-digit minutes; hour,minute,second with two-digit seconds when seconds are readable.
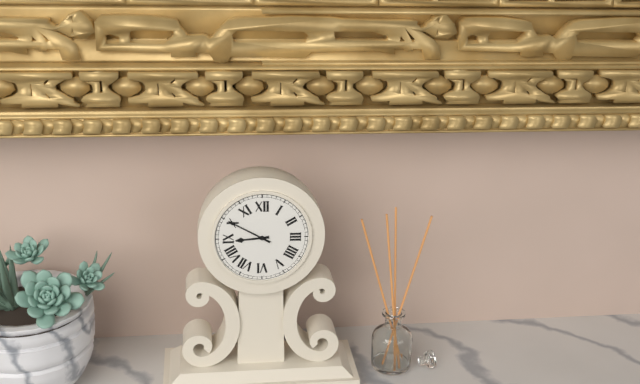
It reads 8,50
